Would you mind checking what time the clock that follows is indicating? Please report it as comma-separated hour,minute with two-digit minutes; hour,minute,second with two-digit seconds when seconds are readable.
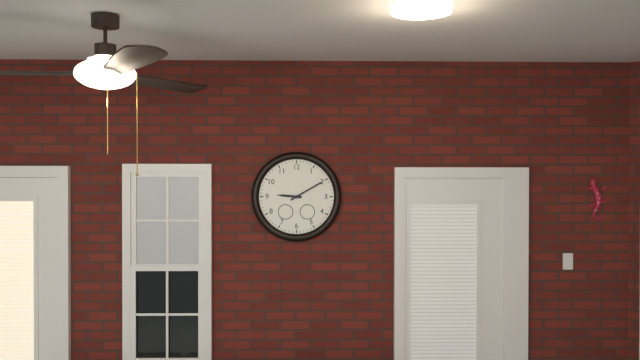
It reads 9,10
